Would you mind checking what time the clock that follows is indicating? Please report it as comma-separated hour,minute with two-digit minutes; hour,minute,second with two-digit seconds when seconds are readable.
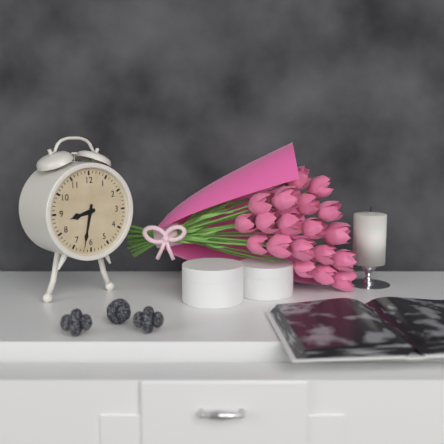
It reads 8,32
